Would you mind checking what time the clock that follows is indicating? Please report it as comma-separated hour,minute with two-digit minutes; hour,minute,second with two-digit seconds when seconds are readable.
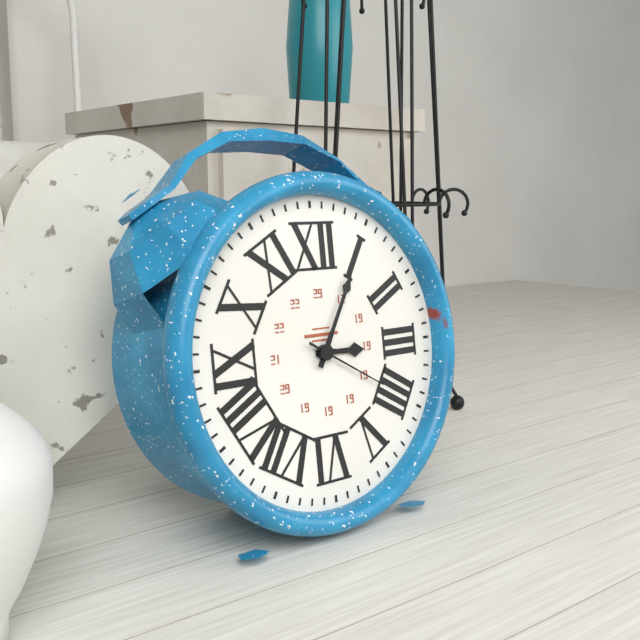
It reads 3,05,20
